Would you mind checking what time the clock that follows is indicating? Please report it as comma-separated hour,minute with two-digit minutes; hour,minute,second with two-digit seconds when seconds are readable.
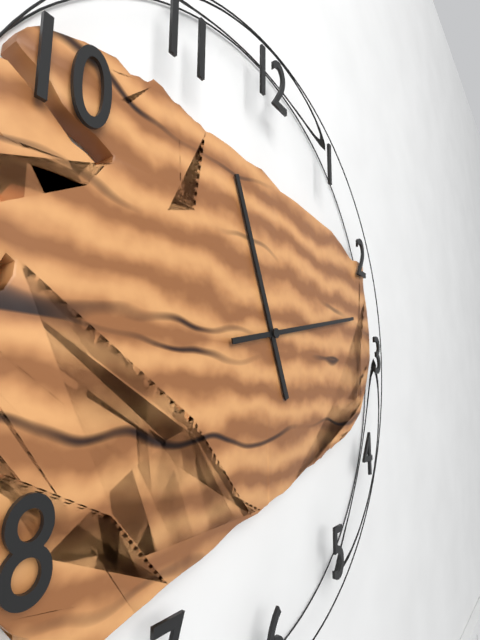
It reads 11,13
